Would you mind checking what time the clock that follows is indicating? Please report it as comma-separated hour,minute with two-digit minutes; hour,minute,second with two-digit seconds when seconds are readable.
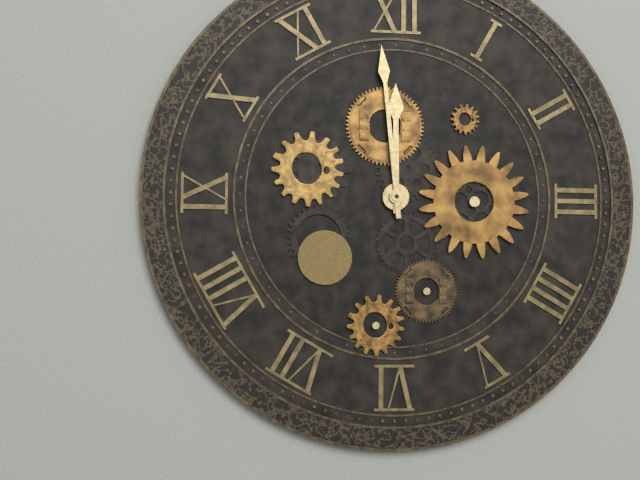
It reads 11,59
